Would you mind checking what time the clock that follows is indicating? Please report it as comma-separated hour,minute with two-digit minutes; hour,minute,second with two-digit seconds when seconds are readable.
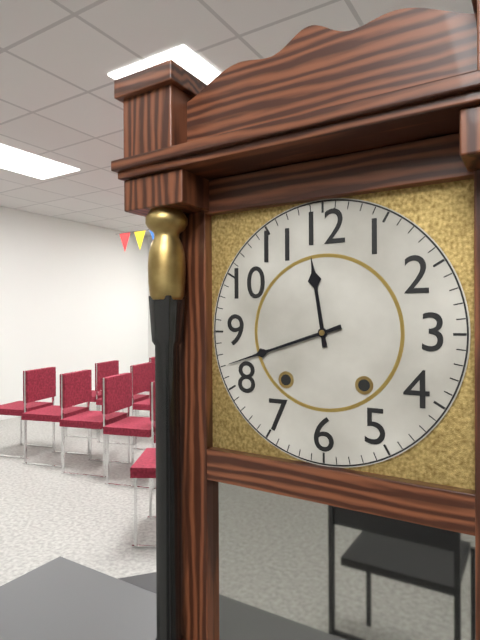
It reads 11,42
